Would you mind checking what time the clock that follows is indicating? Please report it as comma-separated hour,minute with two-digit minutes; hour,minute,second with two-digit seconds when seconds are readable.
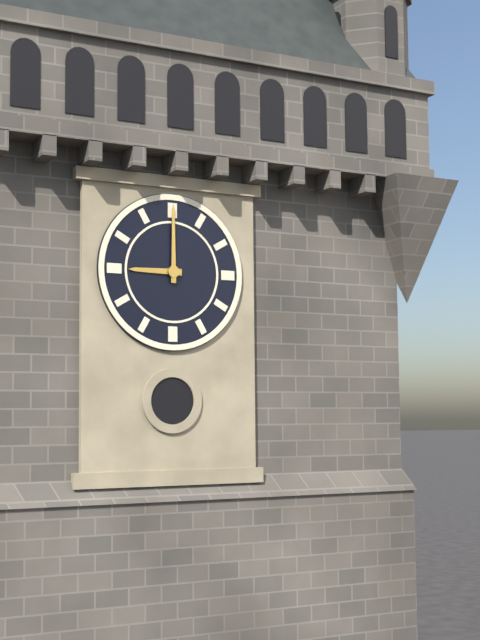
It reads 9,00
